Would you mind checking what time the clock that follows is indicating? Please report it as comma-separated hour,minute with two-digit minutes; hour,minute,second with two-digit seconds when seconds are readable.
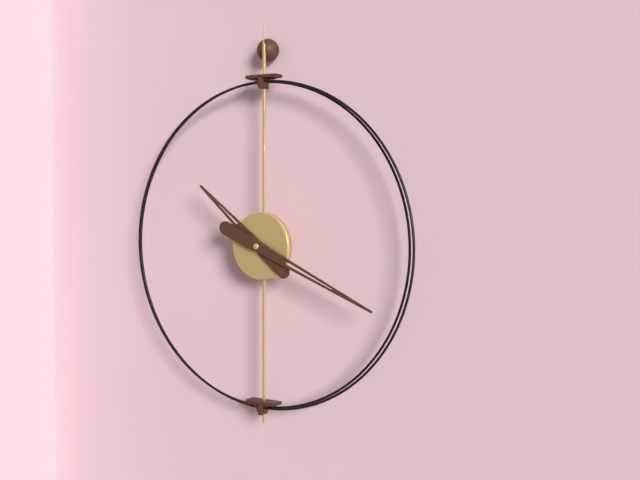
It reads 10,19
